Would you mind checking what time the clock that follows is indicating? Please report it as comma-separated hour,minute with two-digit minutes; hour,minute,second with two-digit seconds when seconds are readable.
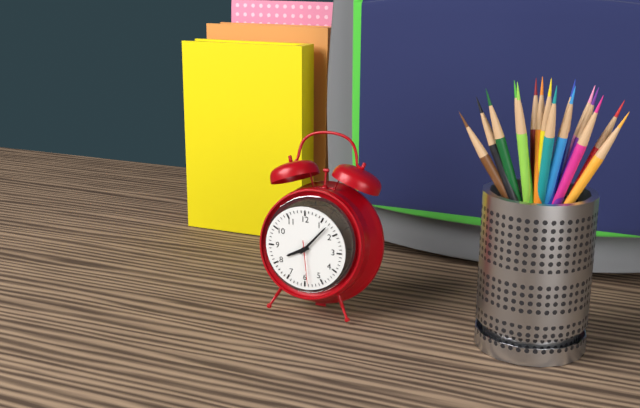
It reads 8,07
